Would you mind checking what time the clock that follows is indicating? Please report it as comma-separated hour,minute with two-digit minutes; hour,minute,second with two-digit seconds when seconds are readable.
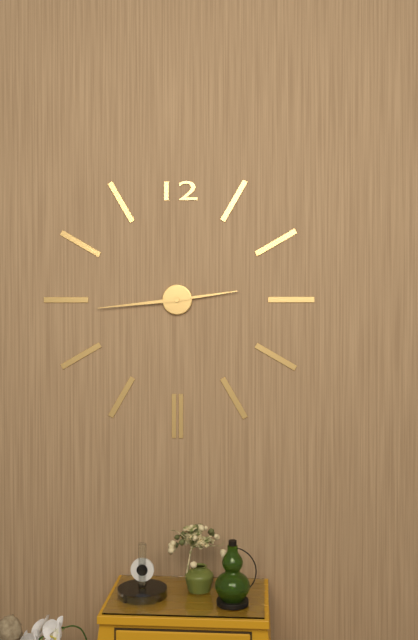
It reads 2,44
